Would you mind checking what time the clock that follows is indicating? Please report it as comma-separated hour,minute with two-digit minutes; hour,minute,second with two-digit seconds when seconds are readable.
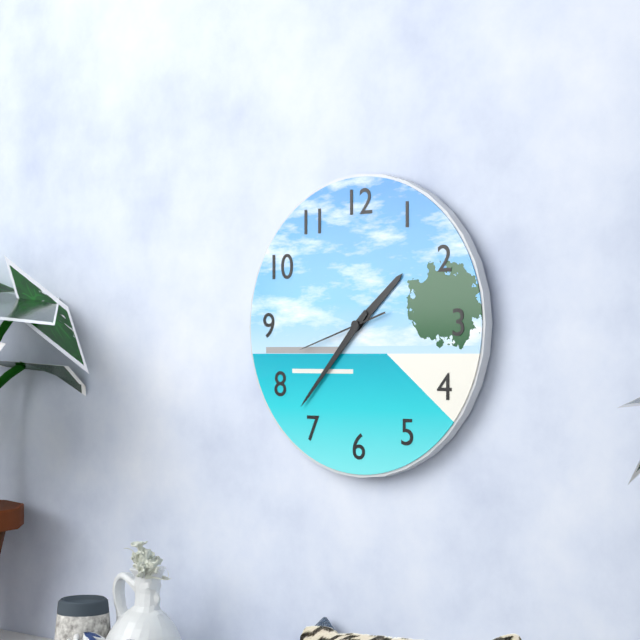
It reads 1,37,42
